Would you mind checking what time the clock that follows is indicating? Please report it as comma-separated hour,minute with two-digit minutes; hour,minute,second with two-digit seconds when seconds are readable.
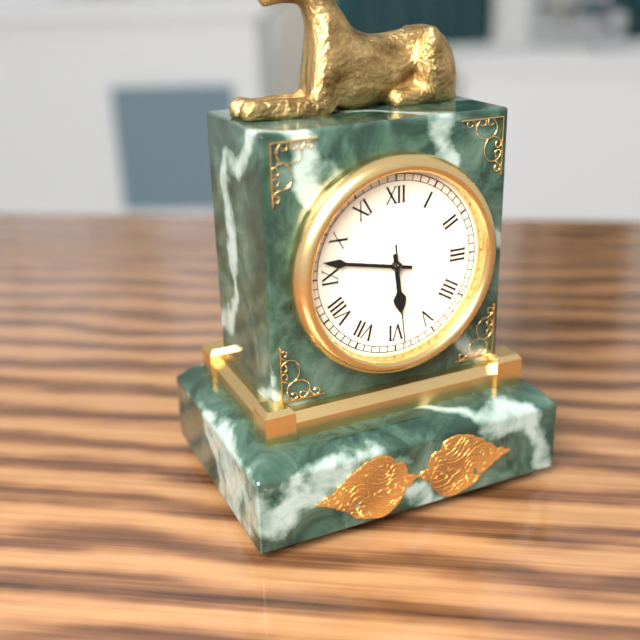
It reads 5,47,29
